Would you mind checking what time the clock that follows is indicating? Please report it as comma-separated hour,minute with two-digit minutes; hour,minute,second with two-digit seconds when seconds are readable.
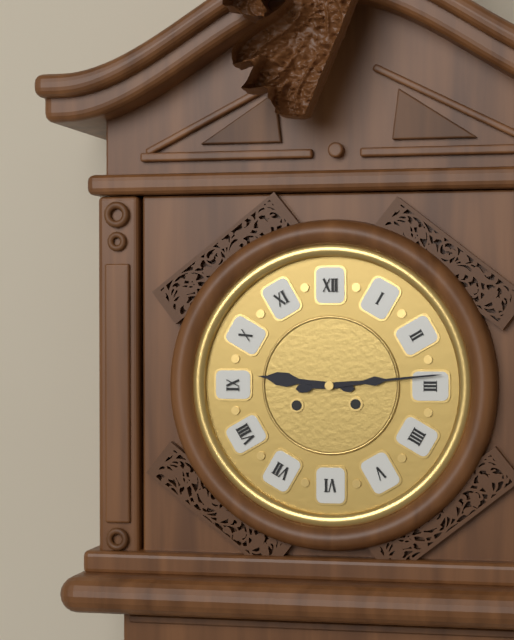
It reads 9,14
